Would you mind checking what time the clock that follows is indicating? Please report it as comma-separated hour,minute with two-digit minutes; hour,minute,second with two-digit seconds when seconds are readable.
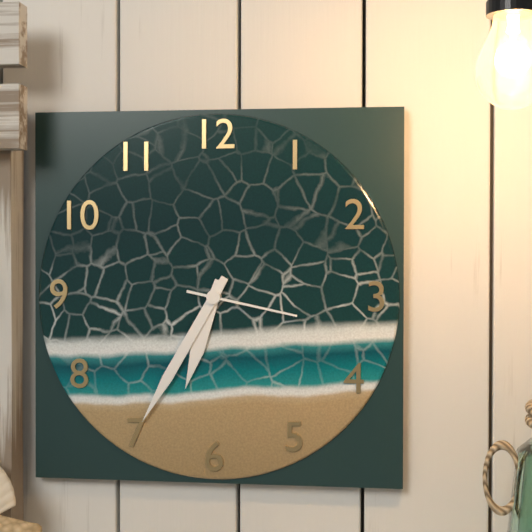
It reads 6,35,17
